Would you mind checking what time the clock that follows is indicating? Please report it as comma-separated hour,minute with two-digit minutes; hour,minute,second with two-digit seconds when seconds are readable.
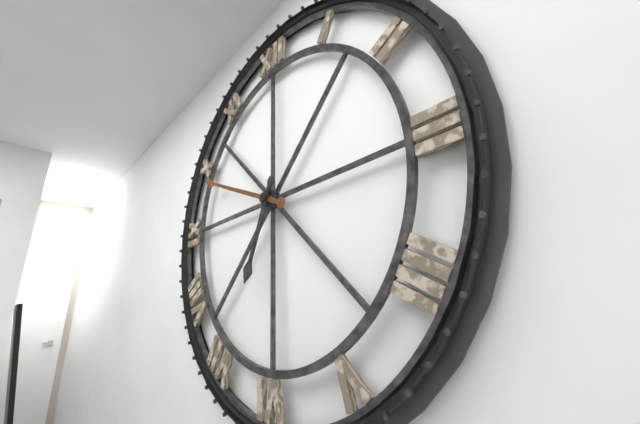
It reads 6,49
